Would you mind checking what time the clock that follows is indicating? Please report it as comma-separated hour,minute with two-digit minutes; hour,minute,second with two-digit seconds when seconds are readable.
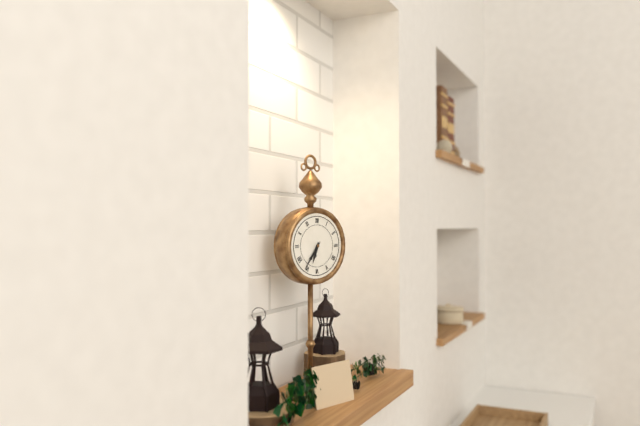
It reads 6,36
